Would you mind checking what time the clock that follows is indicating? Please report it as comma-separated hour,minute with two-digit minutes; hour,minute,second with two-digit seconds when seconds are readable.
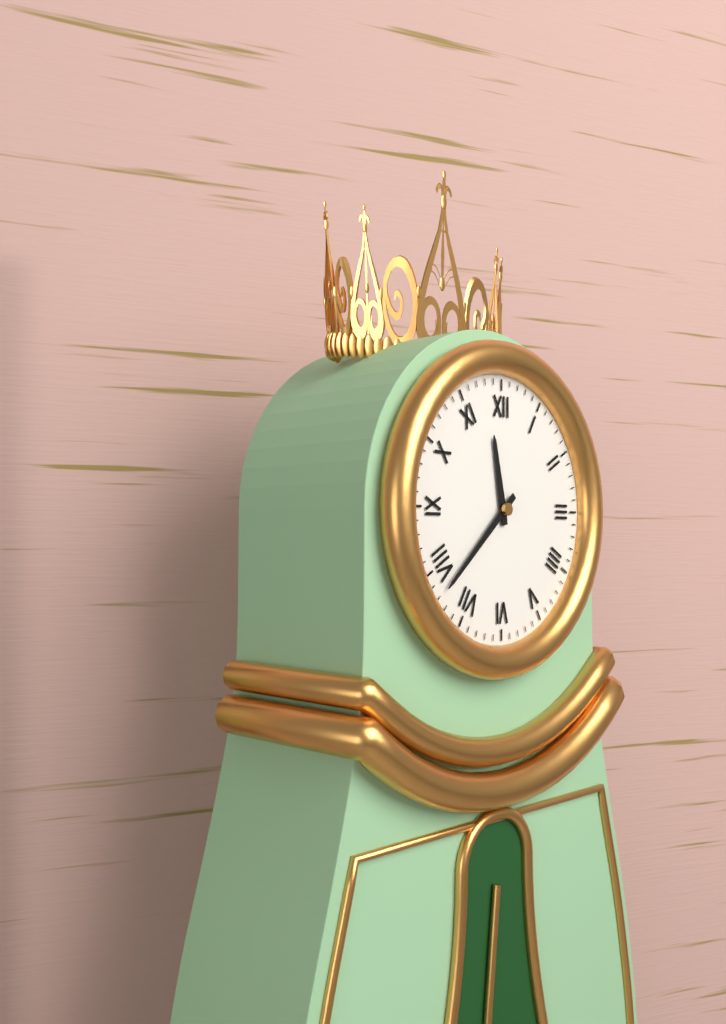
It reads 11,38
